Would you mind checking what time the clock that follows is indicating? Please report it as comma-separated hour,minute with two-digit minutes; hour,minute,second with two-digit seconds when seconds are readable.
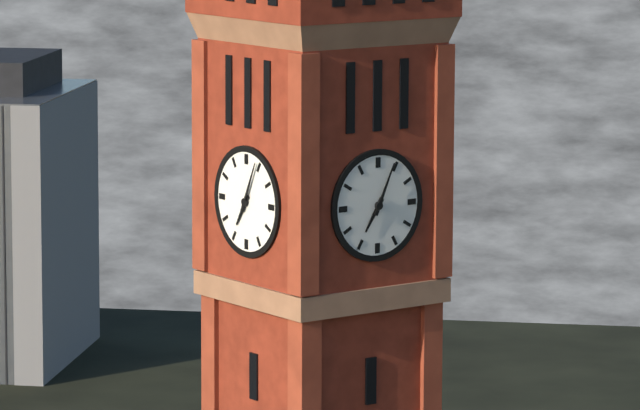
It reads 7,04
